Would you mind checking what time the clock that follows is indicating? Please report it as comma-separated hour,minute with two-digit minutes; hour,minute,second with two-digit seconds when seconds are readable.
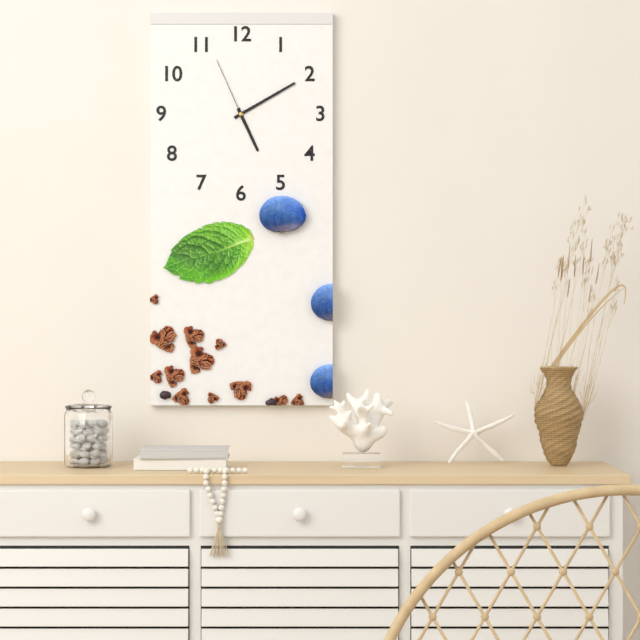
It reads 5,10,56
